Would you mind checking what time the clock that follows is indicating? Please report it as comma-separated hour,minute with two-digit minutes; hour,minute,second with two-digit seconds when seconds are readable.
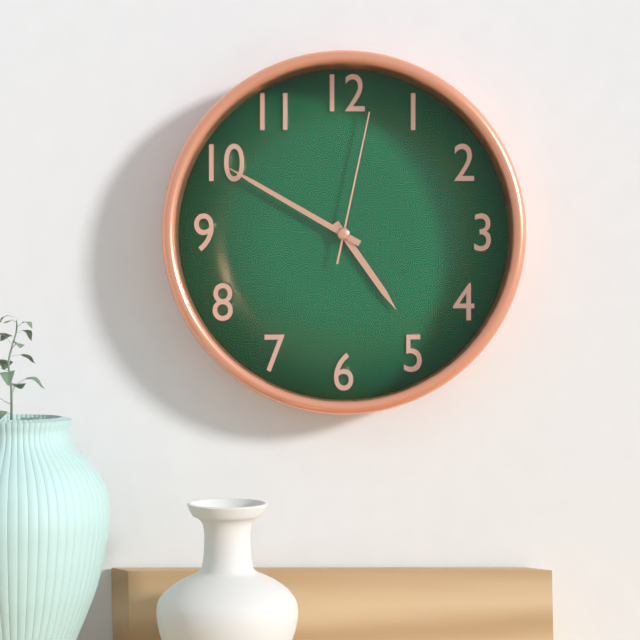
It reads 4,50,02
